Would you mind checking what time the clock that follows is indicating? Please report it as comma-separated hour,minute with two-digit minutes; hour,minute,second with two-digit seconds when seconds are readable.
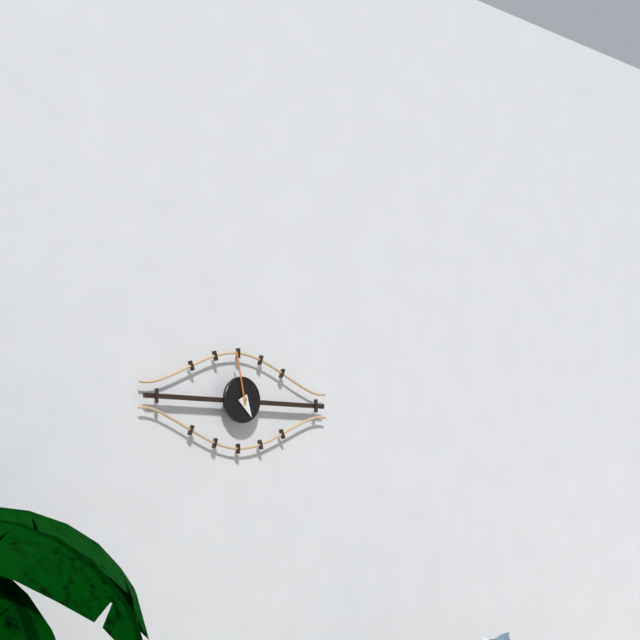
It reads 4,58
